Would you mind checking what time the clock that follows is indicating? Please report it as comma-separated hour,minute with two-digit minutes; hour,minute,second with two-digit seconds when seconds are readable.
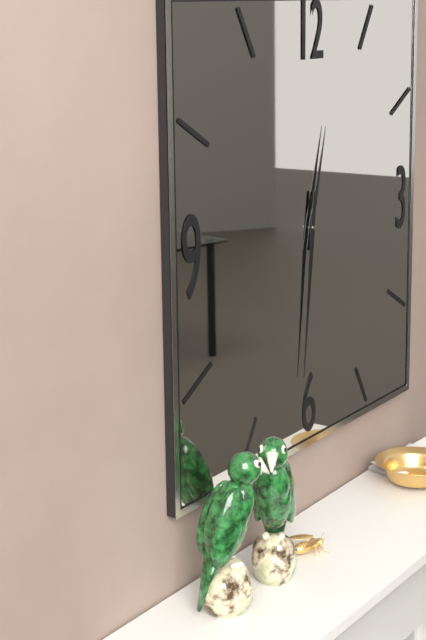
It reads 12,31
